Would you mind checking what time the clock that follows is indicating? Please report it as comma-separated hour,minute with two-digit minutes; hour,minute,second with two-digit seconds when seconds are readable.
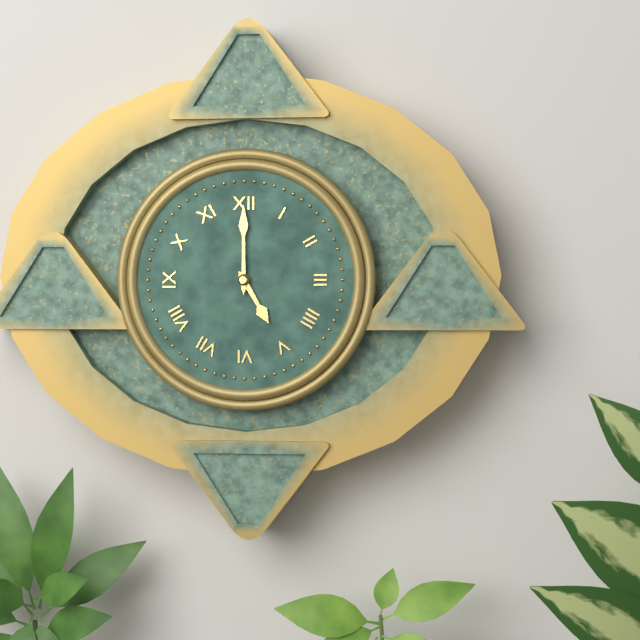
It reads 5,00
